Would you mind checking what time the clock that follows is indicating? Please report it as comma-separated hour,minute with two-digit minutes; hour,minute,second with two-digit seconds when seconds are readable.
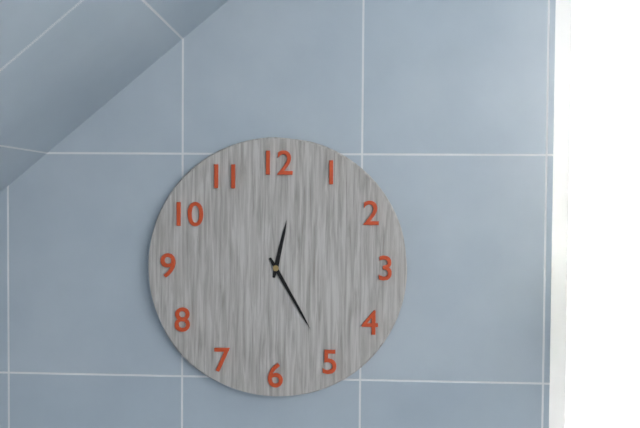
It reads 12,25
